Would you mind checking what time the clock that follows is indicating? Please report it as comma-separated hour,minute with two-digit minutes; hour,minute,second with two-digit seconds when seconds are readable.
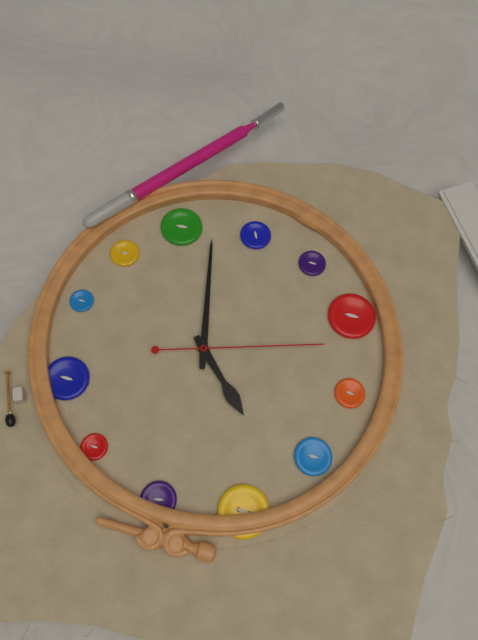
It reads 10,28,42
